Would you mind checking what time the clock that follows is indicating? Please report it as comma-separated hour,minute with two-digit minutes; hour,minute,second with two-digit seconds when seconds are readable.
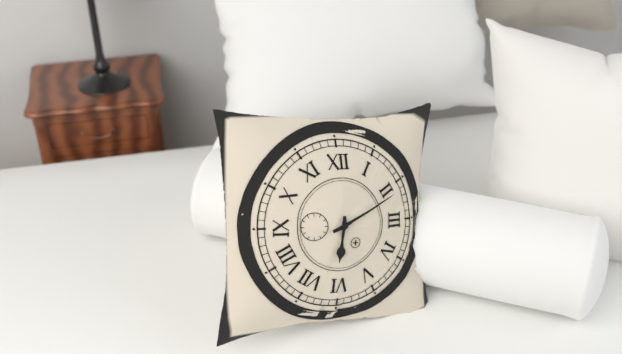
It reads 6,11
